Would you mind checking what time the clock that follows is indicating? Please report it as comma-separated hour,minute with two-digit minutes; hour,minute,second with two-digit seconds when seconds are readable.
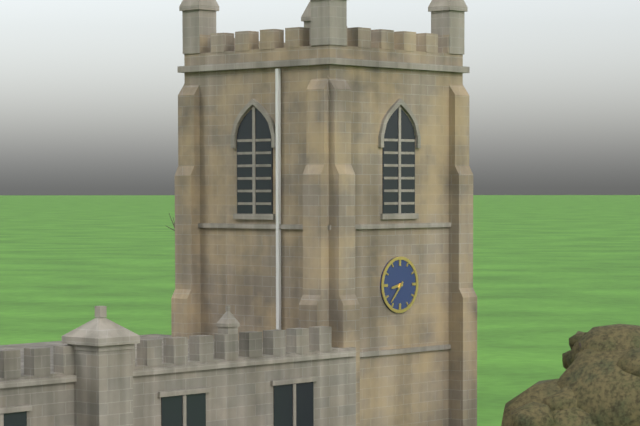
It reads 8,37
